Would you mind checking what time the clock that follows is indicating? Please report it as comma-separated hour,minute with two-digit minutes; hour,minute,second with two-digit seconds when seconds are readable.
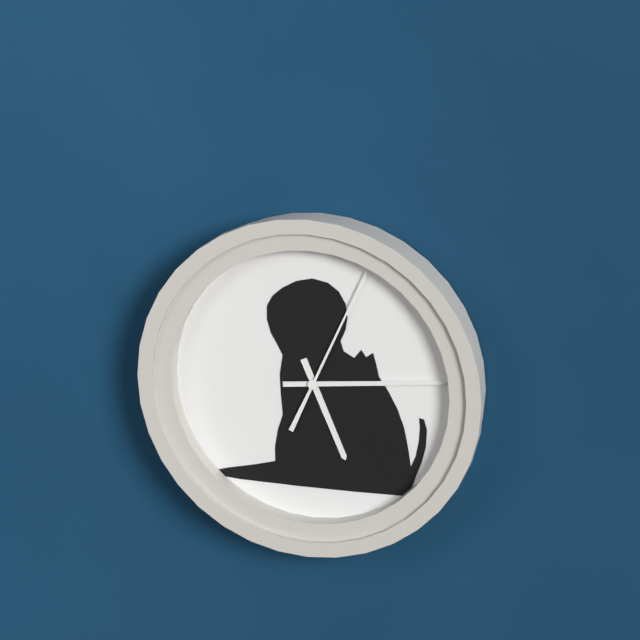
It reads 5,14,04
